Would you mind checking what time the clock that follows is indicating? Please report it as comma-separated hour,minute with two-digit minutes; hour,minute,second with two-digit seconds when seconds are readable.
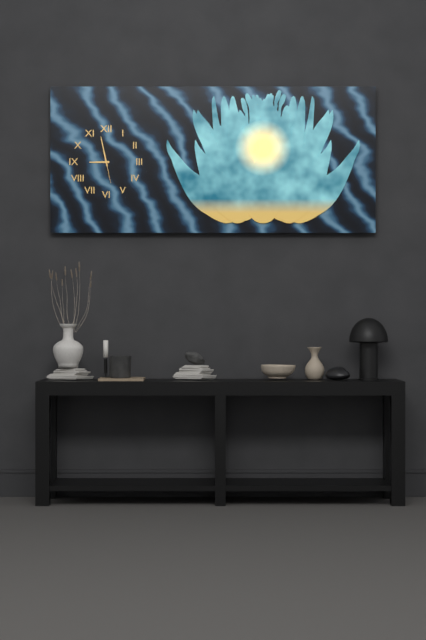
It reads 8,58
